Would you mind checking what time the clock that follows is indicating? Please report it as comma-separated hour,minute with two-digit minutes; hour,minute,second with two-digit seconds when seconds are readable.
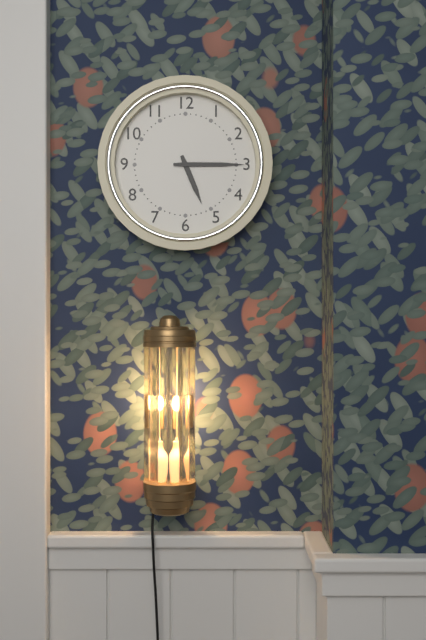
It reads 5,15
